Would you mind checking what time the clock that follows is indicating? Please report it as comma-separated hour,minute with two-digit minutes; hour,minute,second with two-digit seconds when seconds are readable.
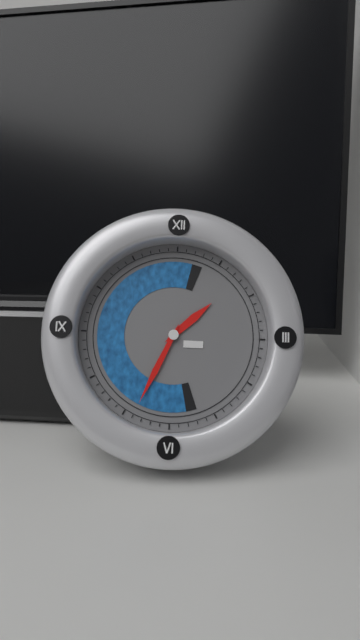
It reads 1,34
